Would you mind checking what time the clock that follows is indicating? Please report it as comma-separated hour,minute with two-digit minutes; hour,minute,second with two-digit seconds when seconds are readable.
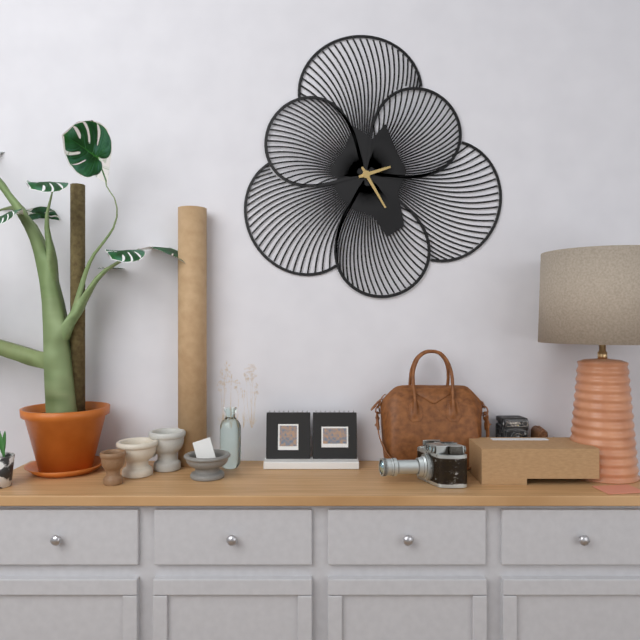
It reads 2,25
